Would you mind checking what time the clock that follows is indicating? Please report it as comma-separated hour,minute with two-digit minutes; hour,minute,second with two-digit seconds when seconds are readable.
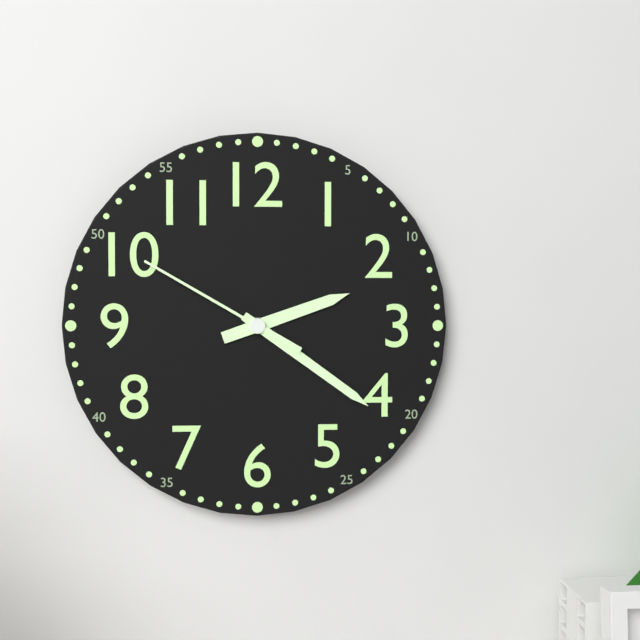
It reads 2,21,50
